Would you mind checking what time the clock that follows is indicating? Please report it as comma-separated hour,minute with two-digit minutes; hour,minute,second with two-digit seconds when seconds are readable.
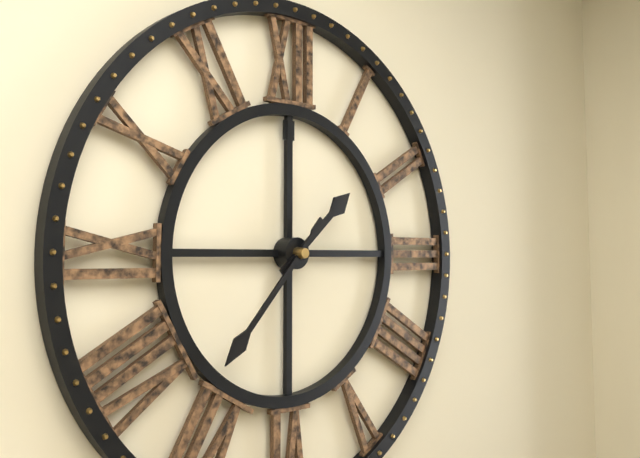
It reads 1,37
